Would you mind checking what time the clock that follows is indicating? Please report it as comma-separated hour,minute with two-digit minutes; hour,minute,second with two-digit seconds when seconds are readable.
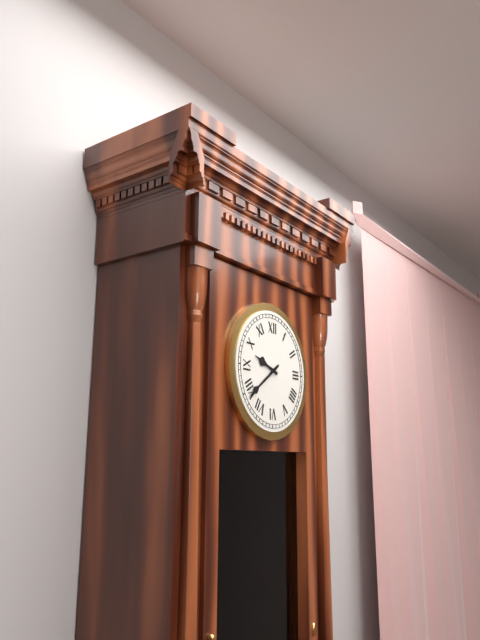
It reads 9,39
